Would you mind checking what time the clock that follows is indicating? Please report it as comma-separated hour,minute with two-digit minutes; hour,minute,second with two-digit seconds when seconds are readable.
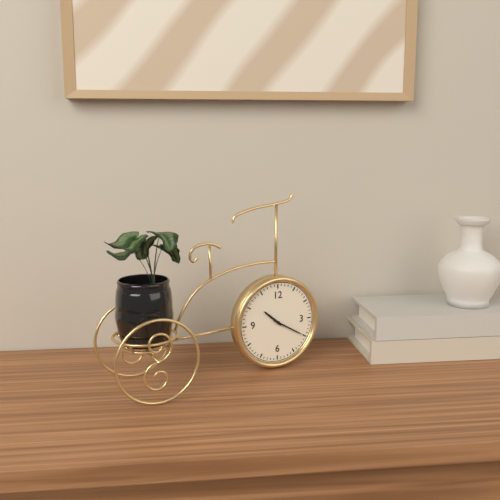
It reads 10,20
